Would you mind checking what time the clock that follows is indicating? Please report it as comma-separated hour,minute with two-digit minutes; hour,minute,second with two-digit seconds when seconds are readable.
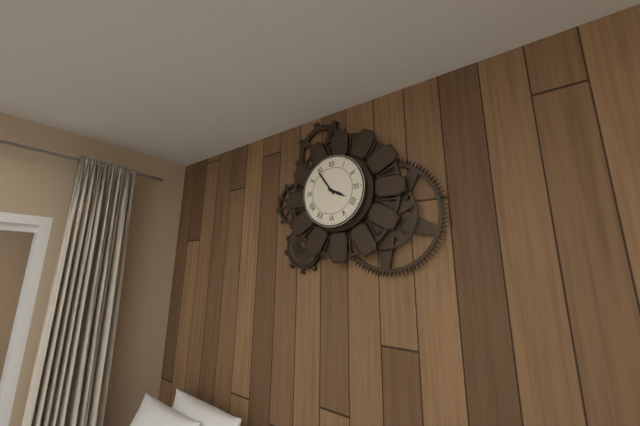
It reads 3,54
